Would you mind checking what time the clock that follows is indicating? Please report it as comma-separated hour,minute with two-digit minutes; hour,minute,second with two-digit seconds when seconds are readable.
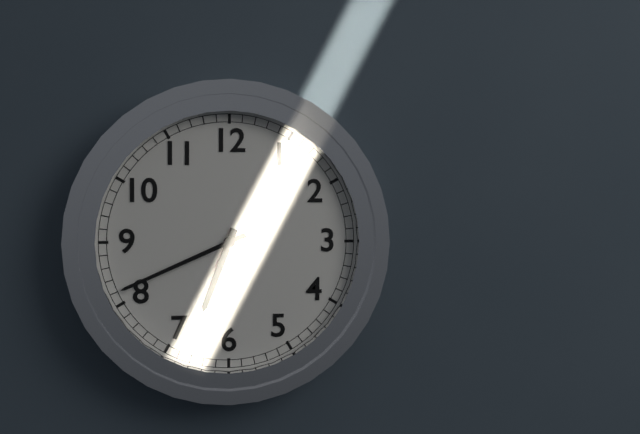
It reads 6,41
